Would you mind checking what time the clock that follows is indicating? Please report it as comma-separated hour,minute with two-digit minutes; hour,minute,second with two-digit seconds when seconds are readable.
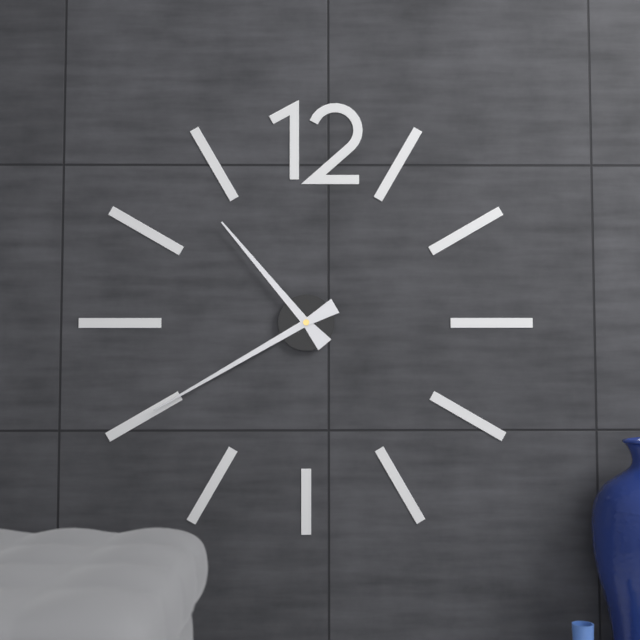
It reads 10,40
